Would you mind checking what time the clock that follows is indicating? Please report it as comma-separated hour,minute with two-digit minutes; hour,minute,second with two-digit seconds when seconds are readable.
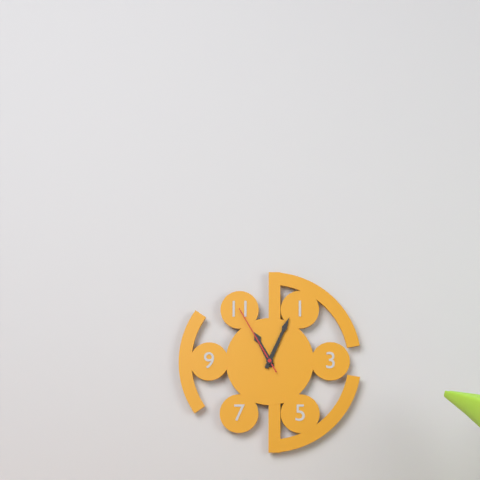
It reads 11,04,55
